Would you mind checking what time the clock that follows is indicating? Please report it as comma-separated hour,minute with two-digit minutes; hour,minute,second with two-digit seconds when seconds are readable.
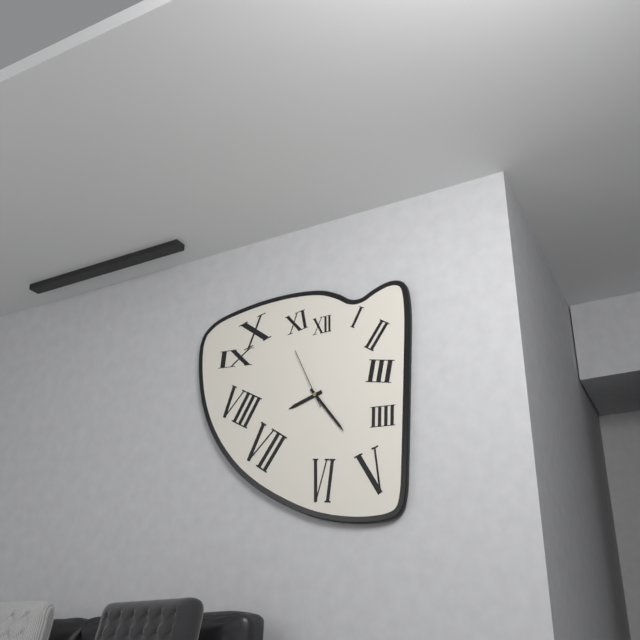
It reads 8,24,56
